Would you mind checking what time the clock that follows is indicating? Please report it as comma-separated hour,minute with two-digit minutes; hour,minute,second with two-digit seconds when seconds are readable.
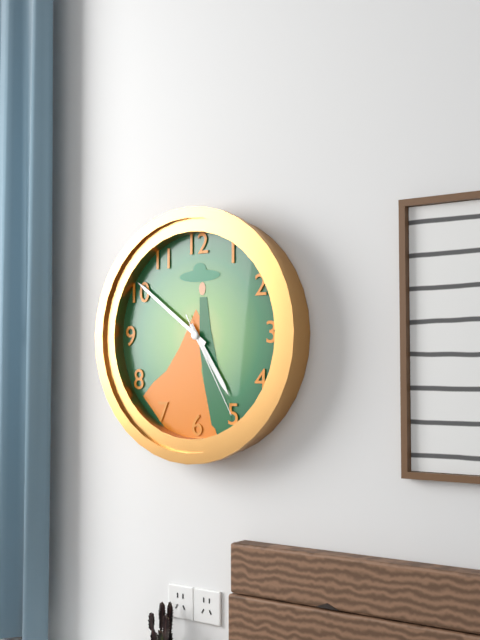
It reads 4,51,25
